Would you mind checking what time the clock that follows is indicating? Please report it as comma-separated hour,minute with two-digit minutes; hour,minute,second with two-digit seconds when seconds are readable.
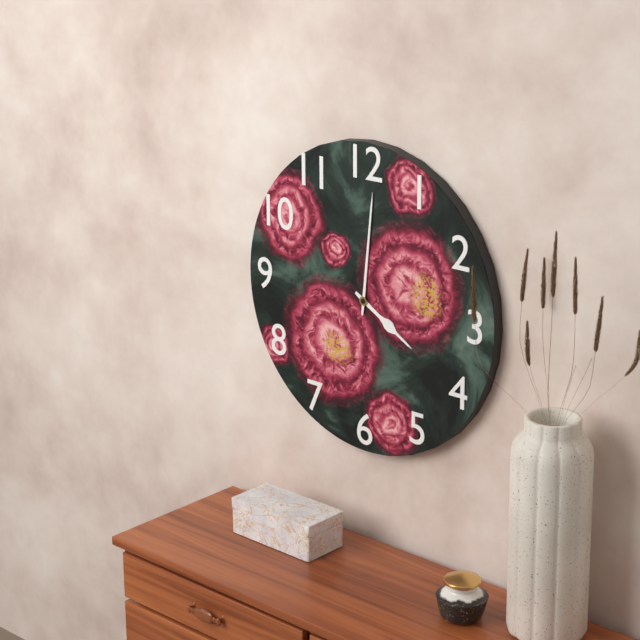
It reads 4,01
